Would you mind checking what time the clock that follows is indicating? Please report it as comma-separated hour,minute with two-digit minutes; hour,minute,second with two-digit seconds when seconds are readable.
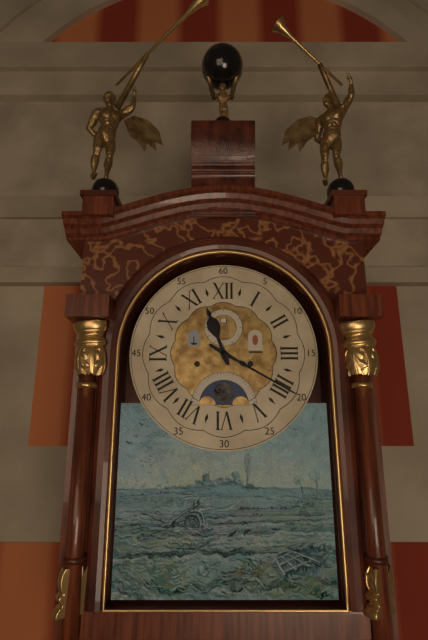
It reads 11,20
